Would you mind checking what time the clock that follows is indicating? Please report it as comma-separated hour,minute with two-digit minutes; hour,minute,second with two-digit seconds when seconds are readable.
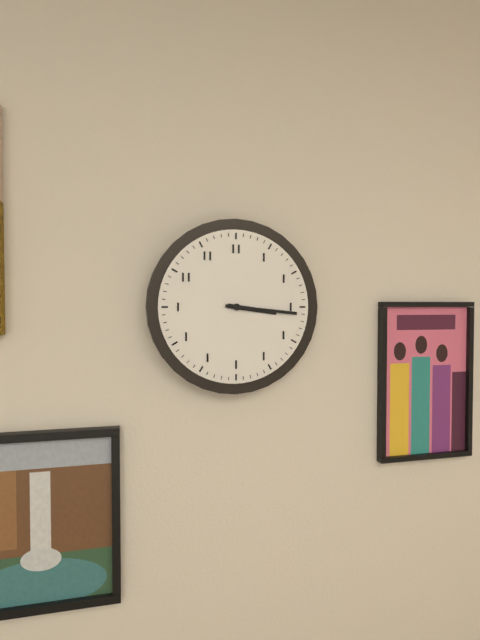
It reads 3,16
